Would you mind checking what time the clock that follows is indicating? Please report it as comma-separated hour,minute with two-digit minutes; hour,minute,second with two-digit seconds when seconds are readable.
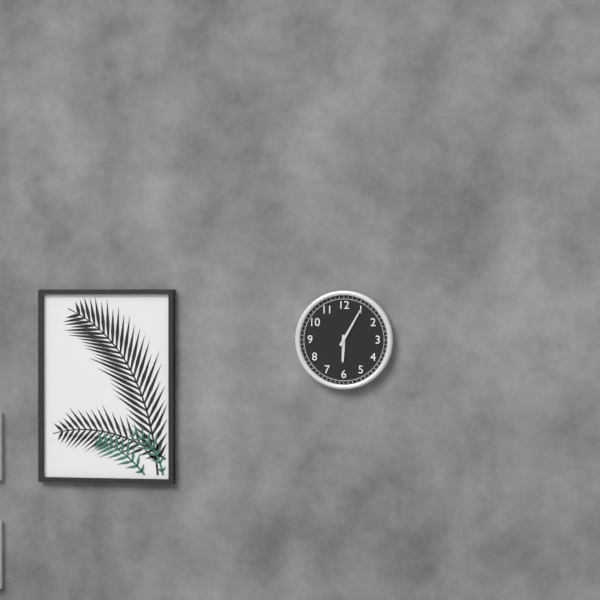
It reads 6,05
